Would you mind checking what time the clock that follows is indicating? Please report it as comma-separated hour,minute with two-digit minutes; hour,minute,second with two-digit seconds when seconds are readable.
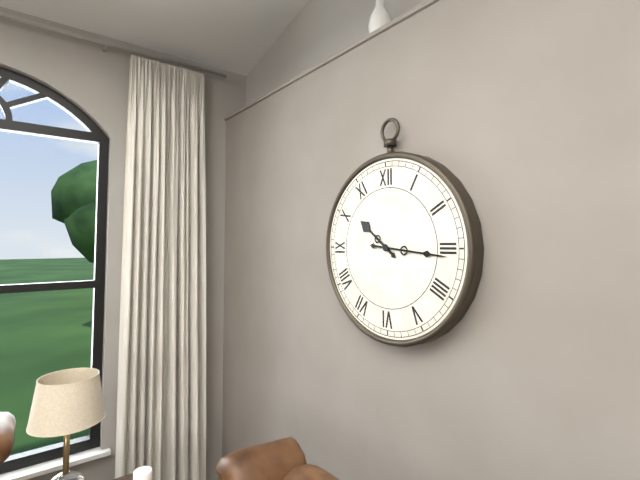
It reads 10,16
